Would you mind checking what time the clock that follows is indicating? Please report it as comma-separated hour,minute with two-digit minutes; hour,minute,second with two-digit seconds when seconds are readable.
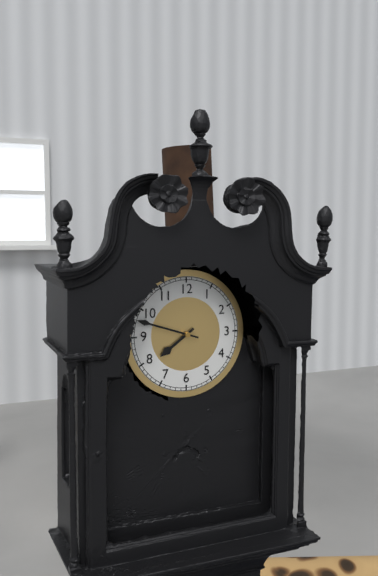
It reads 7,48
